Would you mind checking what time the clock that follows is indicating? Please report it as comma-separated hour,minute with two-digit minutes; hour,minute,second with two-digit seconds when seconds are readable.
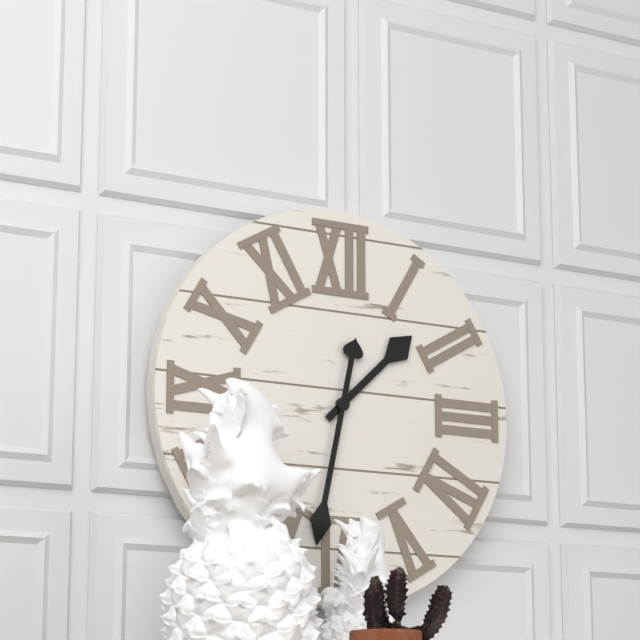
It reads 1,32
